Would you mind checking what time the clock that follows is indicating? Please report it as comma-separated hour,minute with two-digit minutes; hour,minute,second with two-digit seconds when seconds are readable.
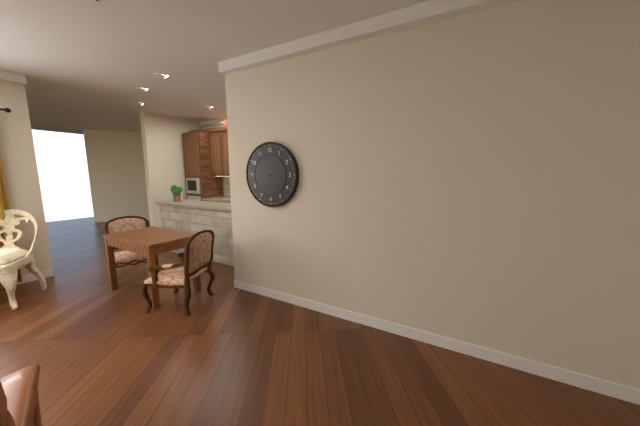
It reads 8,45
